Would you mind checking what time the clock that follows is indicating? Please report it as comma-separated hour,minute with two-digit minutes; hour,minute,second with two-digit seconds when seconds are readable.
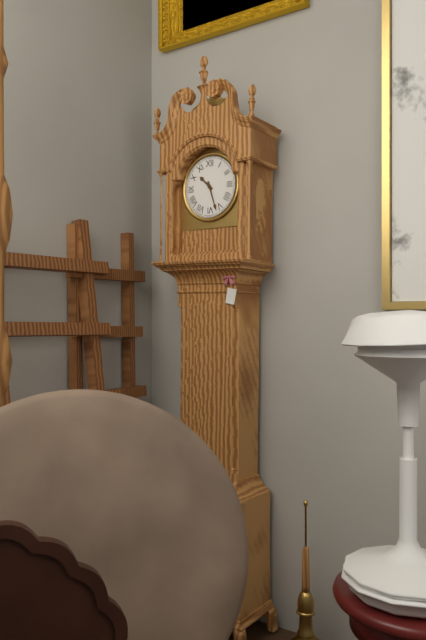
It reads 10,27
